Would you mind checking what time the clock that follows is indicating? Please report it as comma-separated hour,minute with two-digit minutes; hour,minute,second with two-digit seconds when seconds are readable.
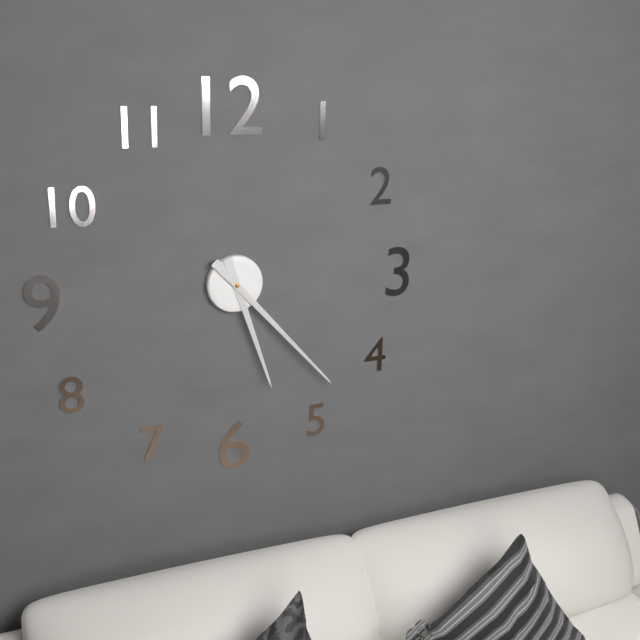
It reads 5,23
